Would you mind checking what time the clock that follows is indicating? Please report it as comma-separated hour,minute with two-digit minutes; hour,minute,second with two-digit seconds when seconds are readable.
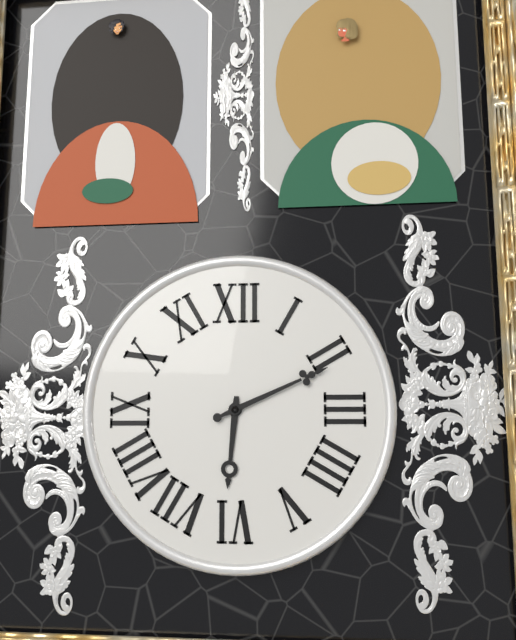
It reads 6,11
